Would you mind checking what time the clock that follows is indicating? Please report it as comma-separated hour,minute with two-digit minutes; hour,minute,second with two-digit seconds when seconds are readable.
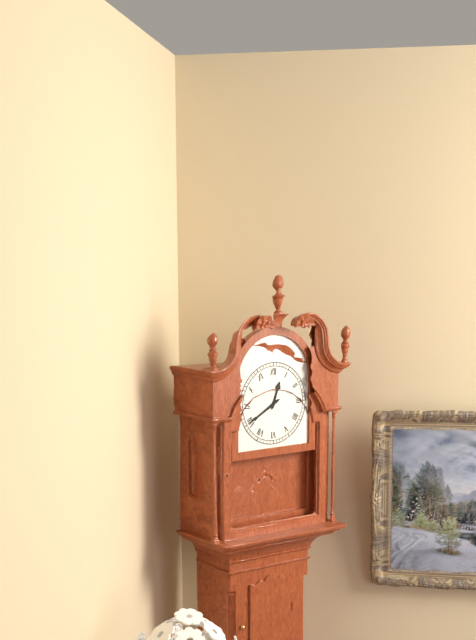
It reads 12,40
